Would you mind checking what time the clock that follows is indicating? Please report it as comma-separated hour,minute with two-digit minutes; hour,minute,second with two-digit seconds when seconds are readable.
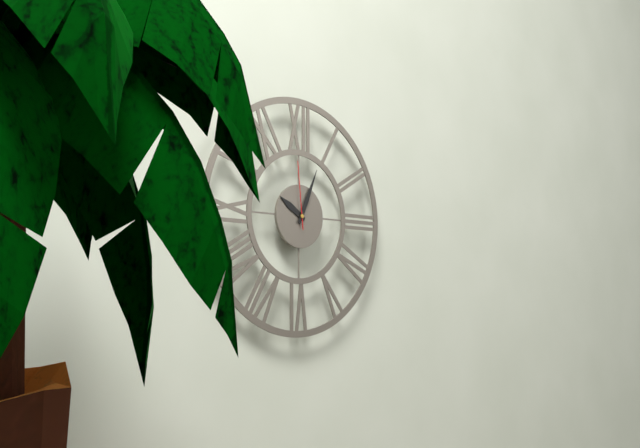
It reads 10,04,59
